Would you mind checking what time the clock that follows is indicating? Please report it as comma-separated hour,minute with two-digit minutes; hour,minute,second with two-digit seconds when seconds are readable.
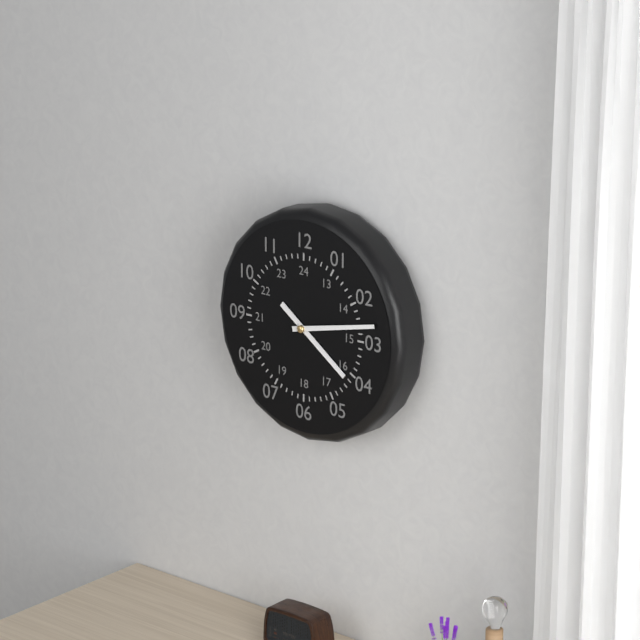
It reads 4,13
